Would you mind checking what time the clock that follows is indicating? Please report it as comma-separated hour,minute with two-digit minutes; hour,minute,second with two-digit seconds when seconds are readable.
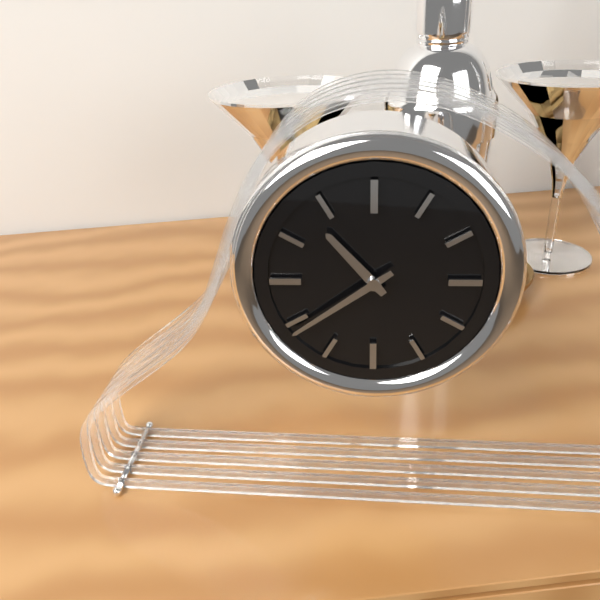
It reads 10,39
